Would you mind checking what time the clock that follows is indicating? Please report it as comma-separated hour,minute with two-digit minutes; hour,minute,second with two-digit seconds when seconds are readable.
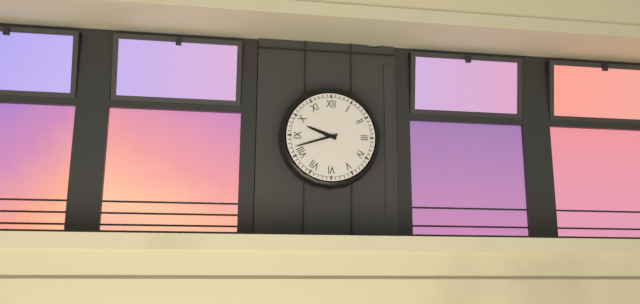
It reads 9,42
